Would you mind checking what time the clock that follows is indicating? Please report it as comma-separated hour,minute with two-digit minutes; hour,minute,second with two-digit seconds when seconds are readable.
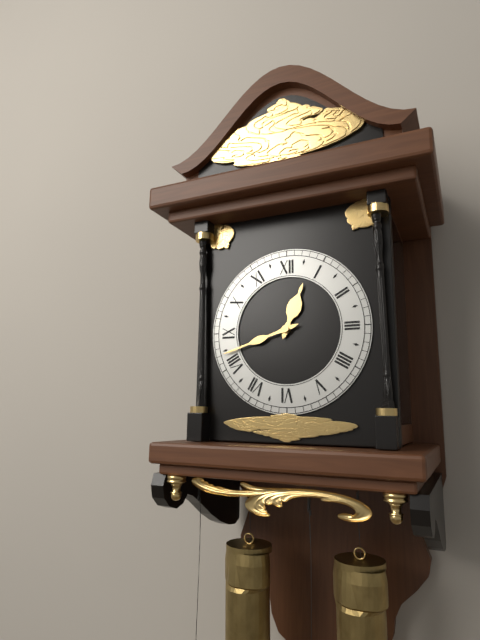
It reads 12,42
